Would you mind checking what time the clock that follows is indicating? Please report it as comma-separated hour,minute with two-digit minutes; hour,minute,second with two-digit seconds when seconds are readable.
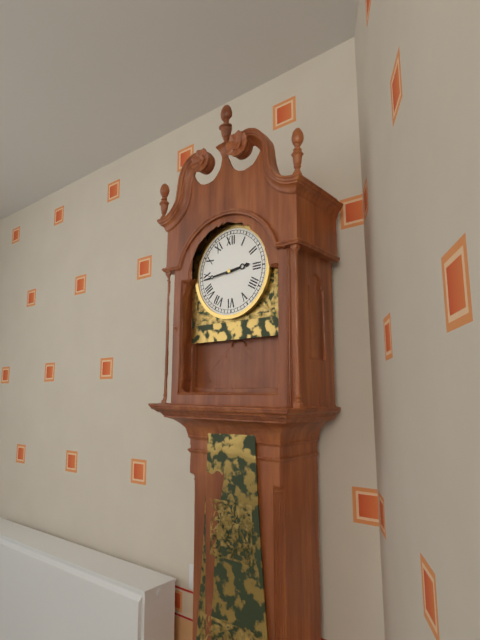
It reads 2,44
